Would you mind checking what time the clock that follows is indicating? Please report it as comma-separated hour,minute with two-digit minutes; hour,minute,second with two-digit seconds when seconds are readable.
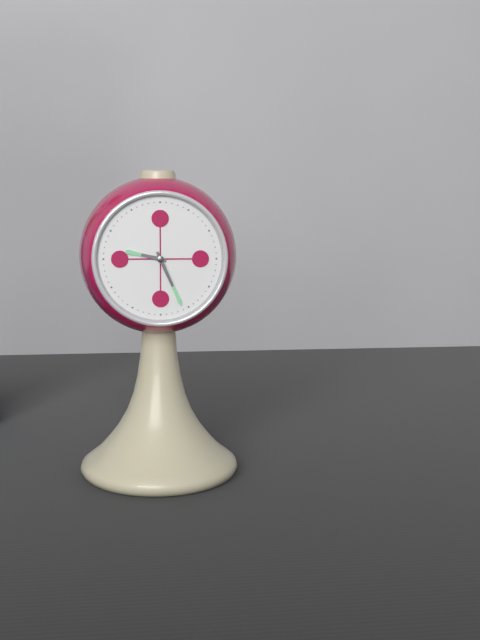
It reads 9,26
